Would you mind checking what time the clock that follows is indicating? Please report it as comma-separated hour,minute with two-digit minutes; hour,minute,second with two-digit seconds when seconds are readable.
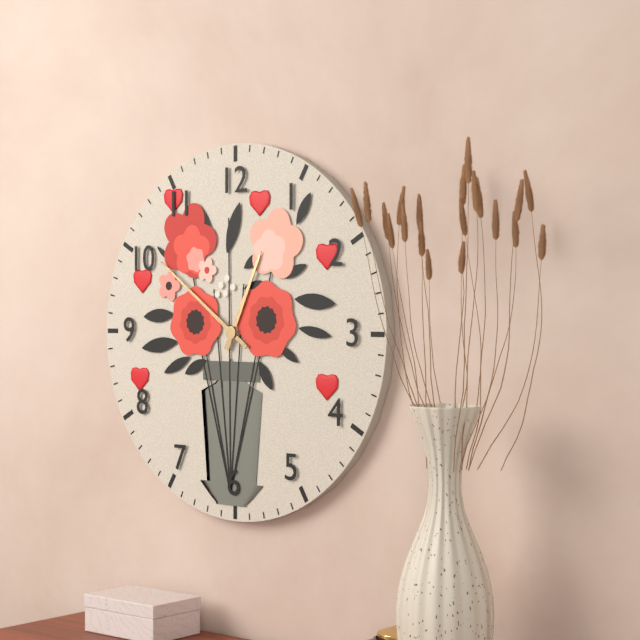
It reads 12,51
